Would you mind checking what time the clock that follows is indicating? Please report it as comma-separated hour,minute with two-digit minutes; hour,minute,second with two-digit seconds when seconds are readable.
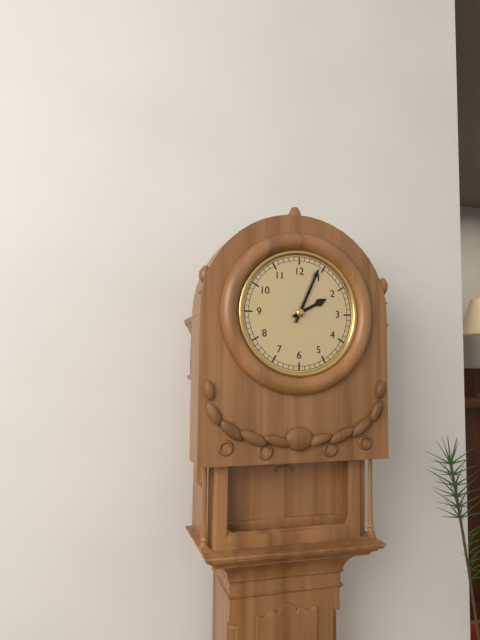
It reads 2,04
